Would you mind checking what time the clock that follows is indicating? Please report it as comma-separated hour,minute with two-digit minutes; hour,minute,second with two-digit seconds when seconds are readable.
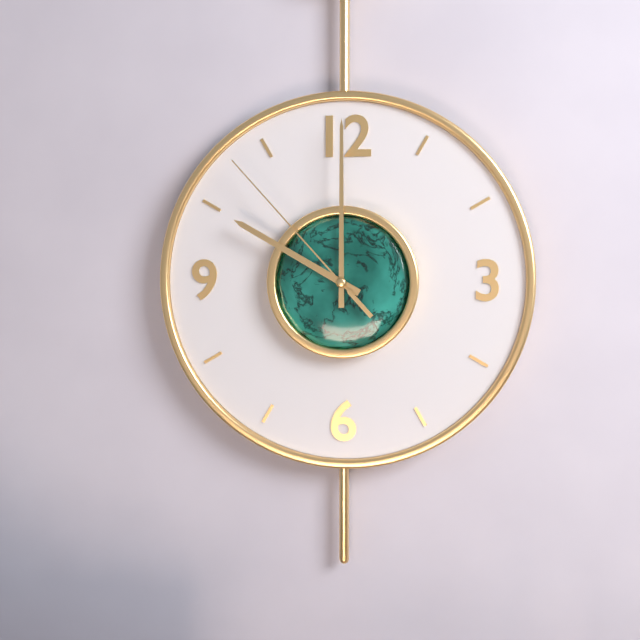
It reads 10,00,53
